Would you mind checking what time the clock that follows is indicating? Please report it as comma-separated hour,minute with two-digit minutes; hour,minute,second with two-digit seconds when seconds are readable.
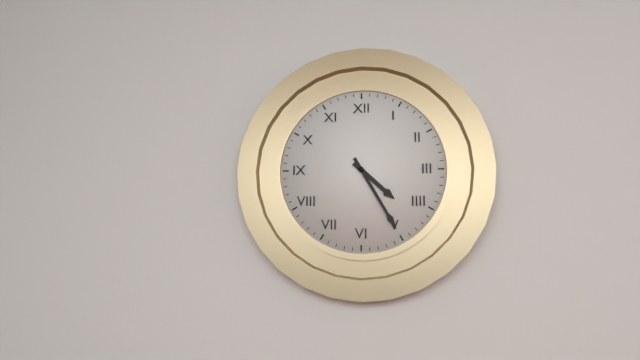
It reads 4,25
